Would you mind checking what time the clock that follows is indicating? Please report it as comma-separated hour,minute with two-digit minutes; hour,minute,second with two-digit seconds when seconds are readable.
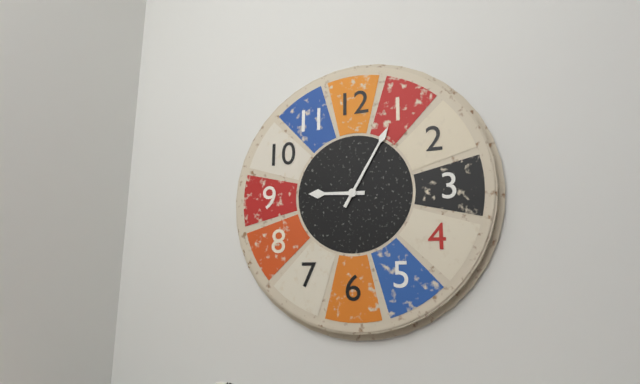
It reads 9,05
